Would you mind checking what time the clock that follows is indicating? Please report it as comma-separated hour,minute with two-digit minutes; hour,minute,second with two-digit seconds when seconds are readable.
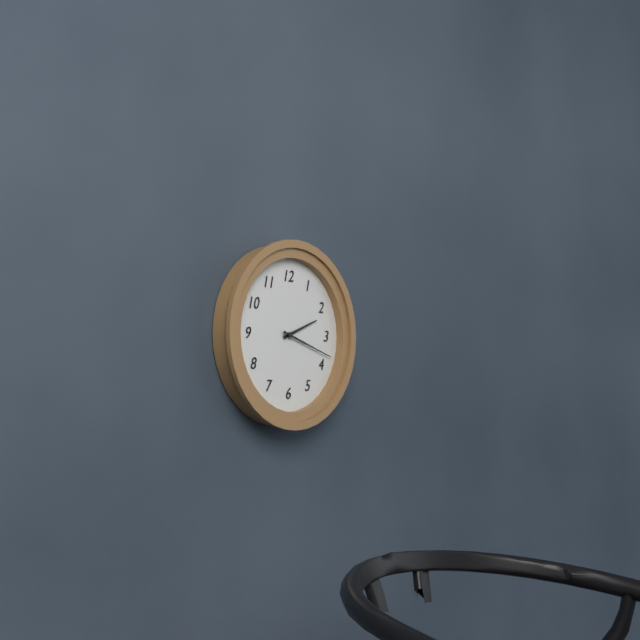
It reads 2,18
